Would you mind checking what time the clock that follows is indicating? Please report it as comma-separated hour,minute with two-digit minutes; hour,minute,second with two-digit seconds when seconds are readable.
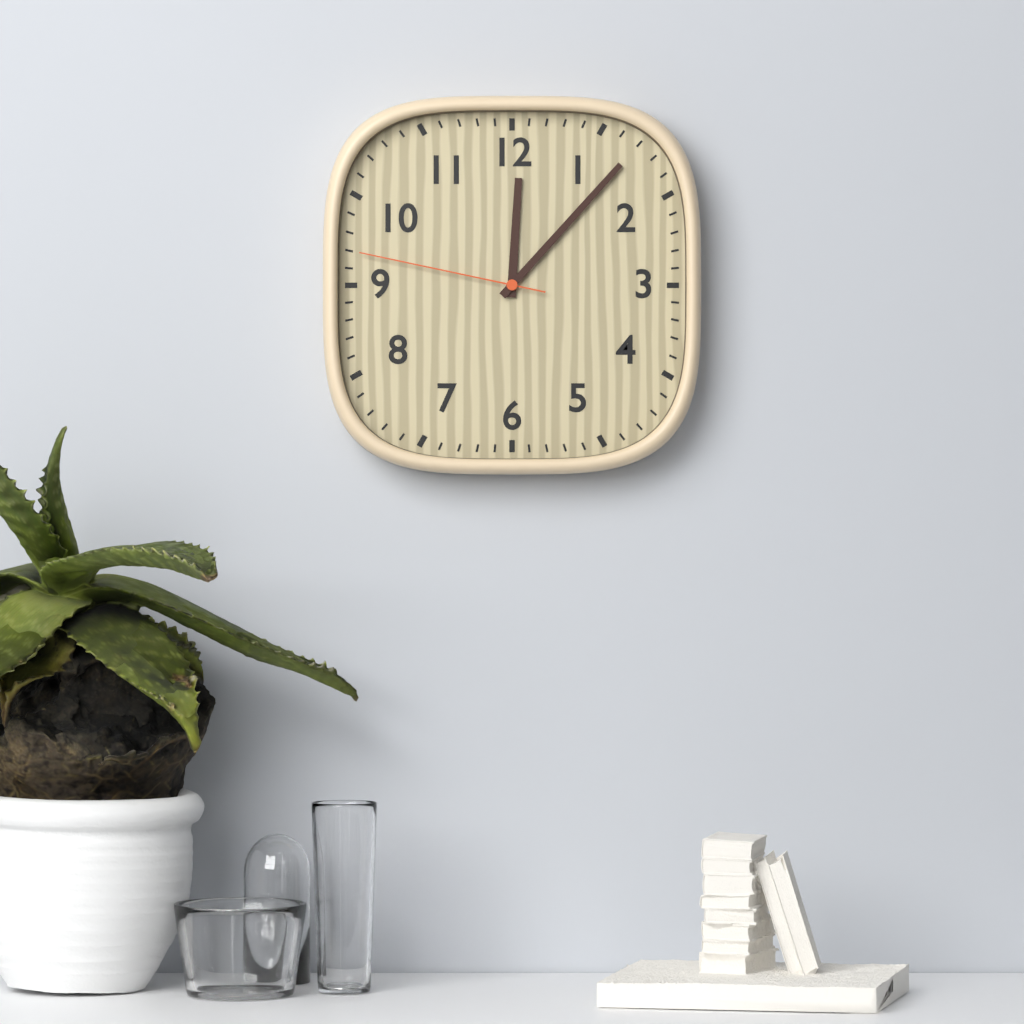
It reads 12,07,47
